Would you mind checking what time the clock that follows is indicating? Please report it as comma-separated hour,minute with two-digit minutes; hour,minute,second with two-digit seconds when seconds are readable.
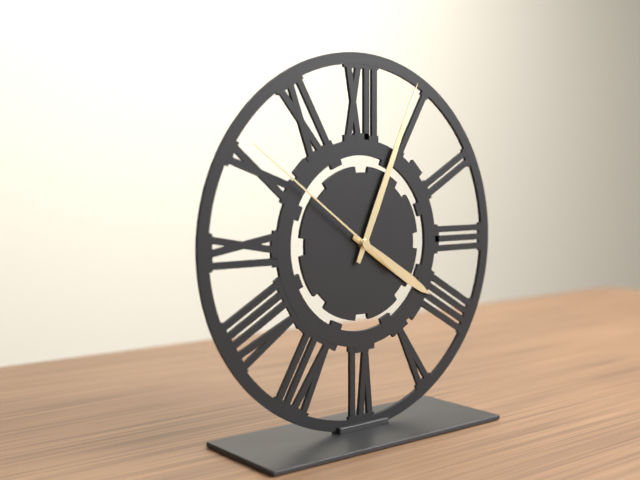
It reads 4,04,51
